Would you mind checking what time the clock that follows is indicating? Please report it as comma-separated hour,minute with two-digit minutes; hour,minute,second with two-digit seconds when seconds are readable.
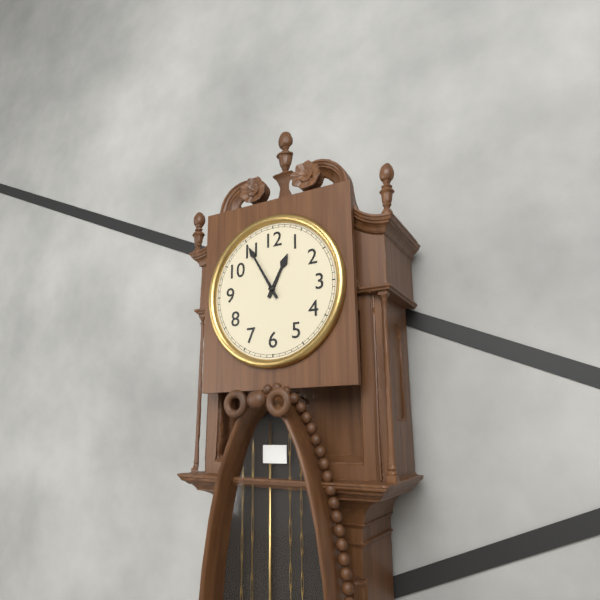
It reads 12,55
